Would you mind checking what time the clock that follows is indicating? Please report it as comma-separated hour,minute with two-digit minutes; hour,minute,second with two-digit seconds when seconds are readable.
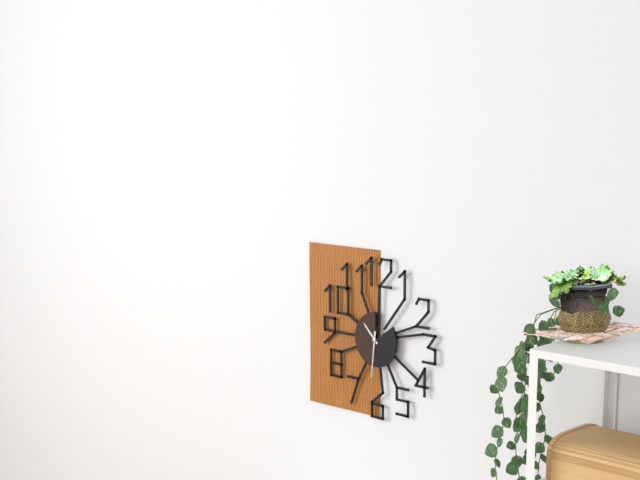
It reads 10,31
